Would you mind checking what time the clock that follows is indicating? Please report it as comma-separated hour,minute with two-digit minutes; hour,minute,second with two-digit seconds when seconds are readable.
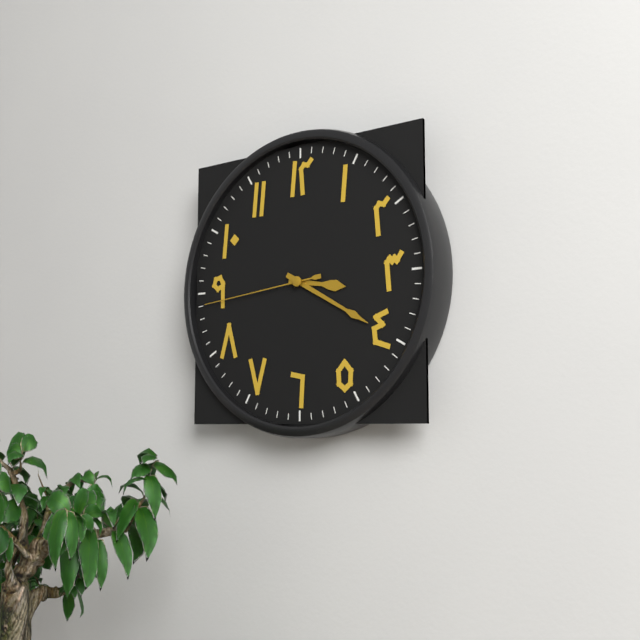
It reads 3,20,44
